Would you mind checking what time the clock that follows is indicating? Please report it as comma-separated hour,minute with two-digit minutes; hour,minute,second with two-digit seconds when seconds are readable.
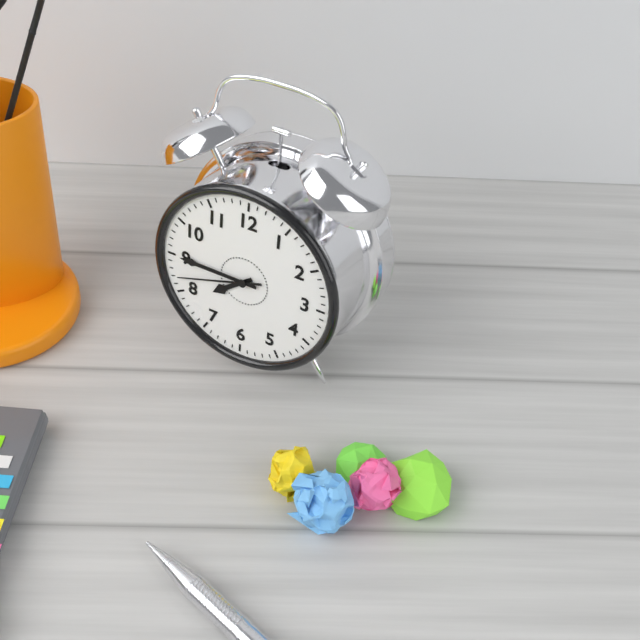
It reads 7,45,42
